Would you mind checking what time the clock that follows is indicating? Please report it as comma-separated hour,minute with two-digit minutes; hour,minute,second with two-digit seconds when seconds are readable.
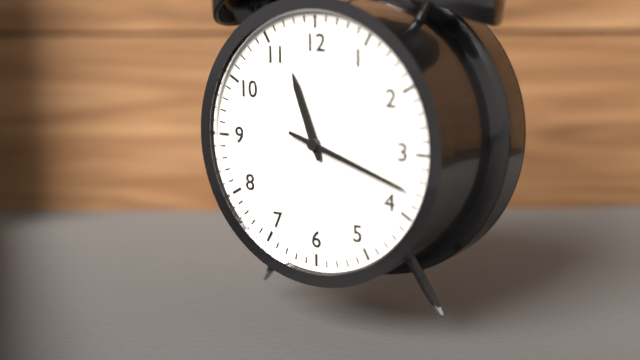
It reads 11,18
